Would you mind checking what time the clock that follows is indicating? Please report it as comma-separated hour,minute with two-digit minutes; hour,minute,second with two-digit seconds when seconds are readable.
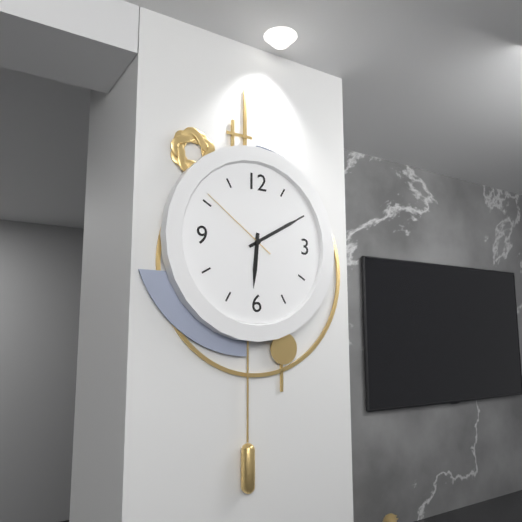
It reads 6,10,51
